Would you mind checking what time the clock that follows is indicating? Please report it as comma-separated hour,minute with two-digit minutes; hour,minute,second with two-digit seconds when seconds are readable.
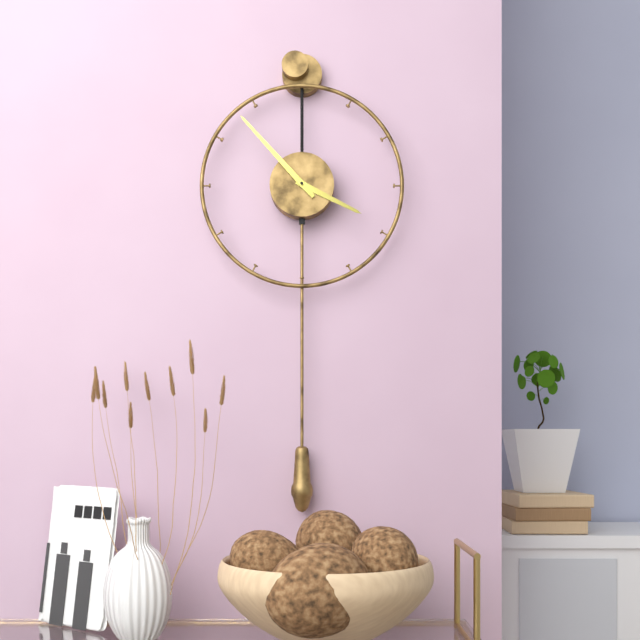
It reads 3,53
